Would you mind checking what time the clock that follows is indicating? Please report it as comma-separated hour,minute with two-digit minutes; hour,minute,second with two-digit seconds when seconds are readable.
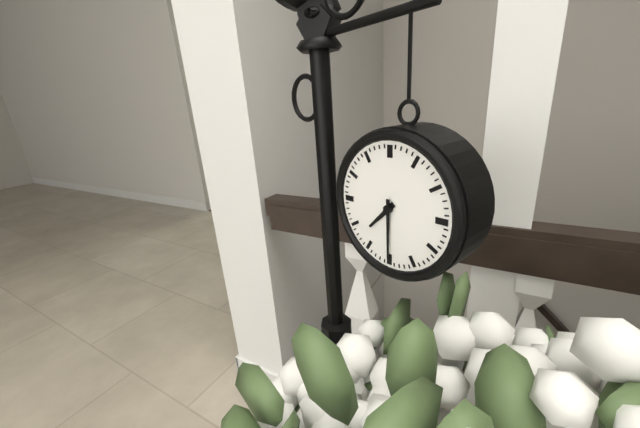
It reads 7,30
